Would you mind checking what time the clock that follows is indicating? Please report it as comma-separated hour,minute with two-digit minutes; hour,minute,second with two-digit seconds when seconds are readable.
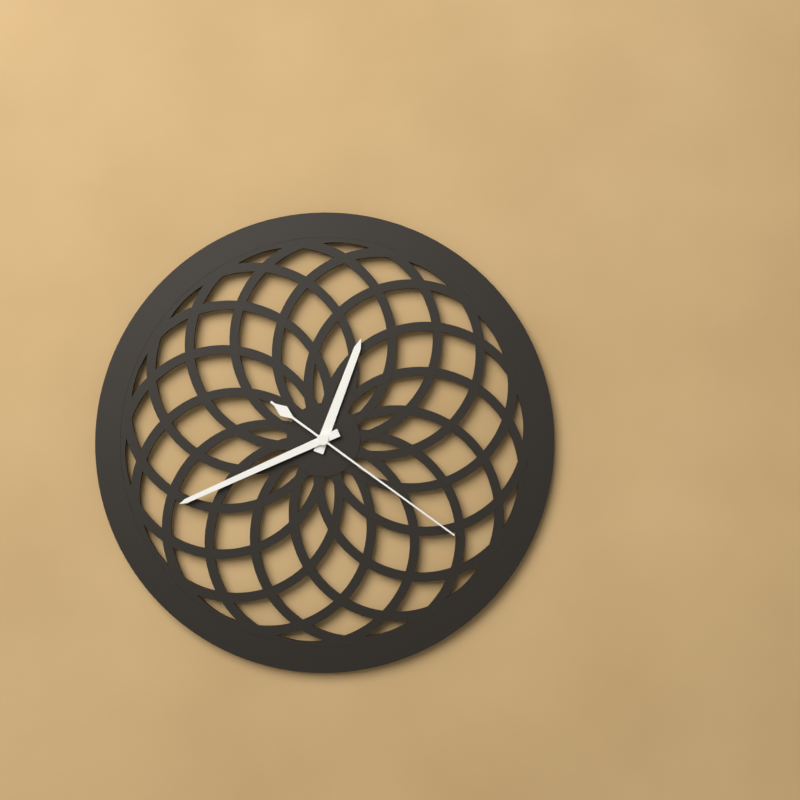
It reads 12,41,21
